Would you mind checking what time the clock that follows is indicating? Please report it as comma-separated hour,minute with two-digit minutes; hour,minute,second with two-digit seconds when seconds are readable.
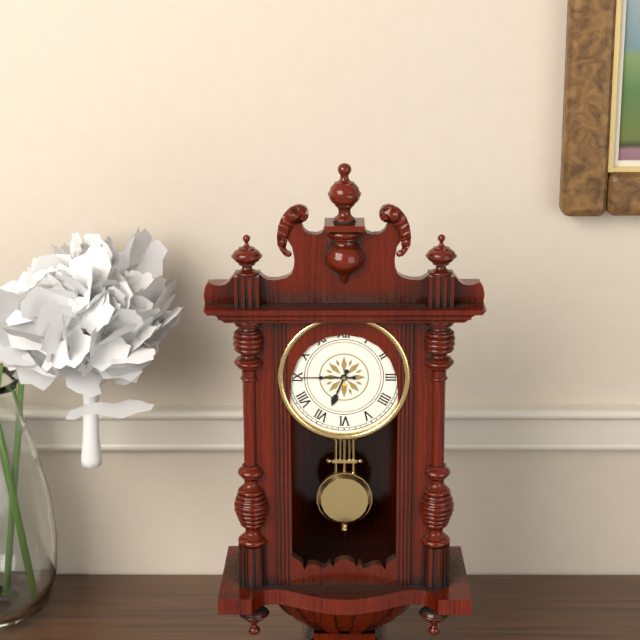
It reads 6,45
